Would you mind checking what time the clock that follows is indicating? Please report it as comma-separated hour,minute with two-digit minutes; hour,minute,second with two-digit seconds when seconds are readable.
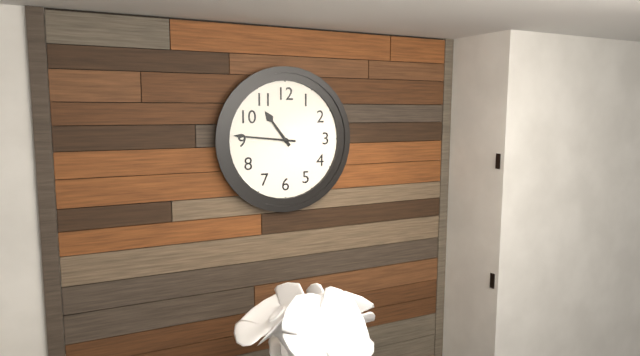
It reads 10,46
